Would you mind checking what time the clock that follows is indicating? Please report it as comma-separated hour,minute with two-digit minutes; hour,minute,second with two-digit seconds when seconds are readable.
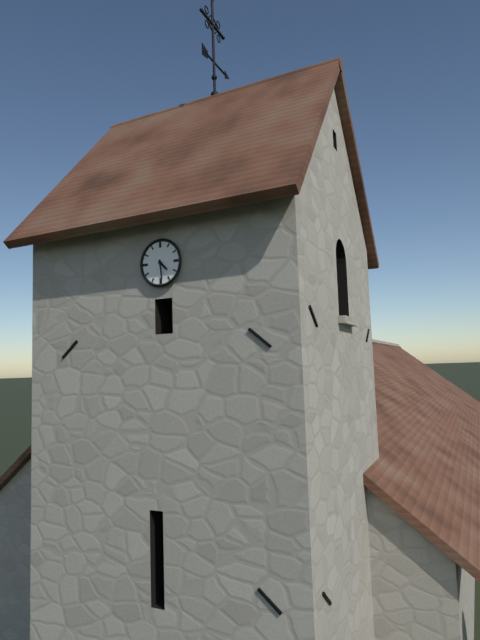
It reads 4,29
